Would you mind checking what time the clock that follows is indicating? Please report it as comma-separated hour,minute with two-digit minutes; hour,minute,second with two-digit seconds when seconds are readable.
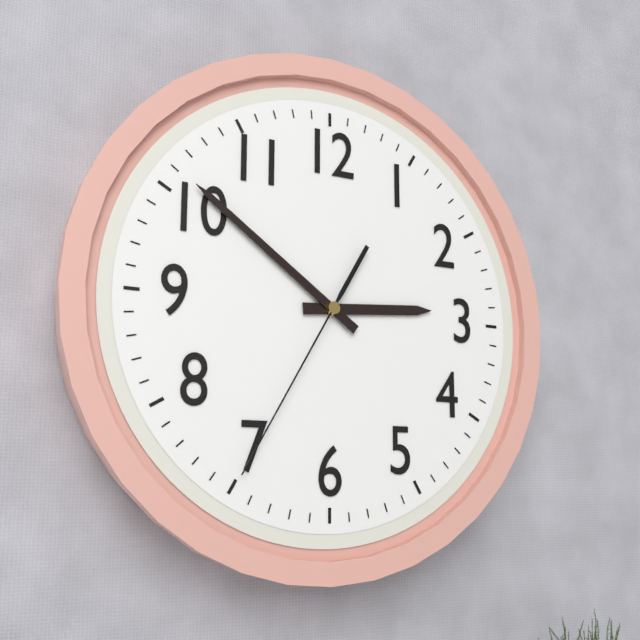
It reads 2,51,35
